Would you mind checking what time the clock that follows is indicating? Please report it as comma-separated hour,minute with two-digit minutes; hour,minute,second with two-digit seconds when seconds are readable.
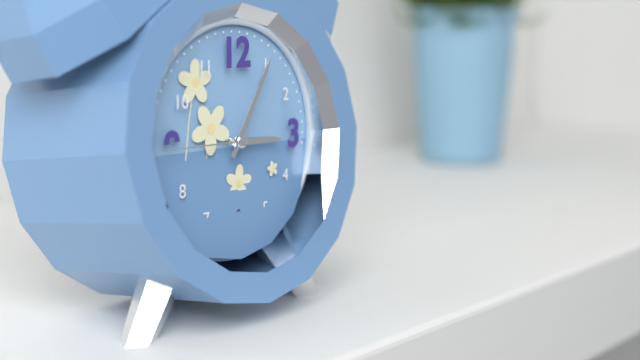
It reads 3,05,45
